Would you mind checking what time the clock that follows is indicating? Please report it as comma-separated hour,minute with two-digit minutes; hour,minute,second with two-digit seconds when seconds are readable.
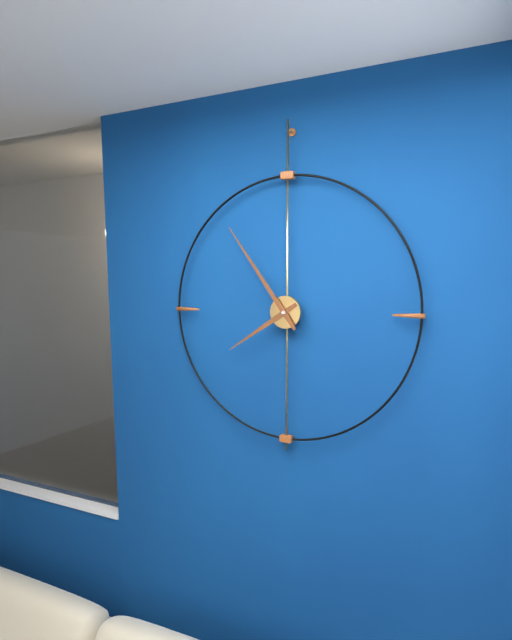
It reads 7,54
